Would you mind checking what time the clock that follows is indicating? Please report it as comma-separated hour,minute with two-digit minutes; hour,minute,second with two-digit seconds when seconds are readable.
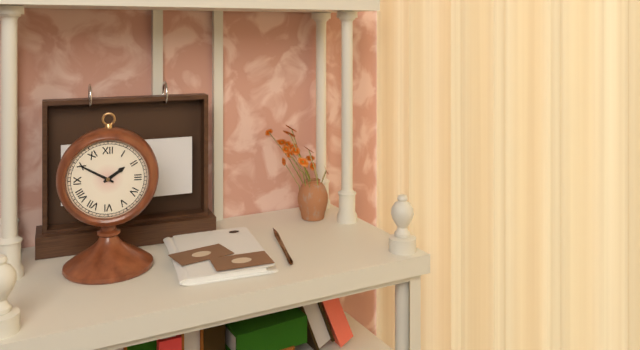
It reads 1,50
